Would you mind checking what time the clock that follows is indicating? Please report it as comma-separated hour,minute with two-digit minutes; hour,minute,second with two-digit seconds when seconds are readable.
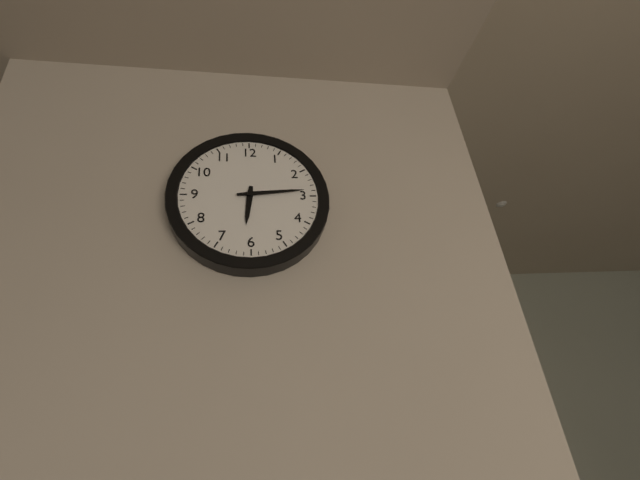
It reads 6,14
